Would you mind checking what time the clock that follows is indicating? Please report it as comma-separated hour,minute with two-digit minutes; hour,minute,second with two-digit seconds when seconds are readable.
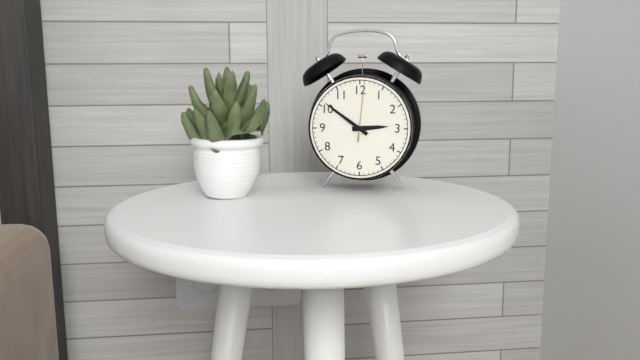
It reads 2,51,01
